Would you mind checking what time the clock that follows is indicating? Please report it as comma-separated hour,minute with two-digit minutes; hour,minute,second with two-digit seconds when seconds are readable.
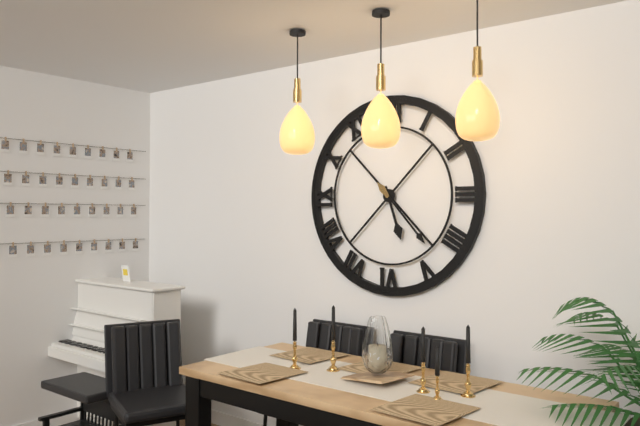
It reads 5,23
